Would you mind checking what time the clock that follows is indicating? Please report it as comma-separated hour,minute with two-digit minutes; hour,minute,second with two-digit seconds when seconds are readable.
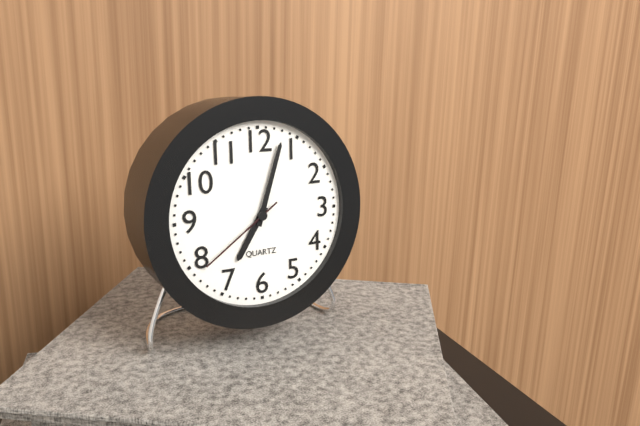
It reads 7,03,39
